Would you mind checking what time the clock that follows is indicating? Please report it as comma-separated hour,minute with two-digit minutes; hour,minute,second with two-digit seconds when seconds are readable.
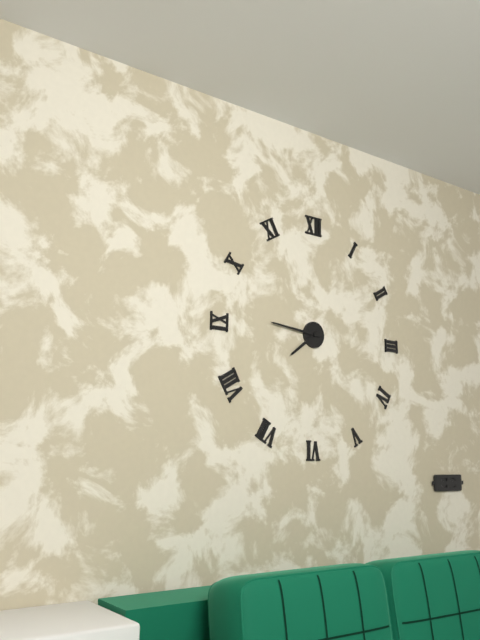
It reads 7,46
